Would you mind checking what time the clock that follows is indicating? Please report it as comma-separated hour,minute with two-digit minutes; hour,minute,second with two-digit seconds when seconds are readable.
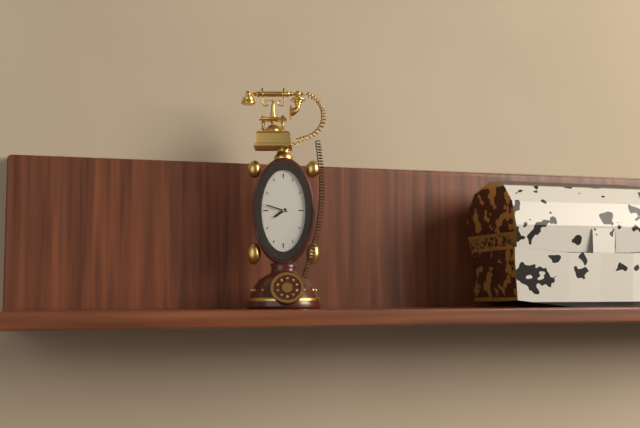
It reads 7,48
